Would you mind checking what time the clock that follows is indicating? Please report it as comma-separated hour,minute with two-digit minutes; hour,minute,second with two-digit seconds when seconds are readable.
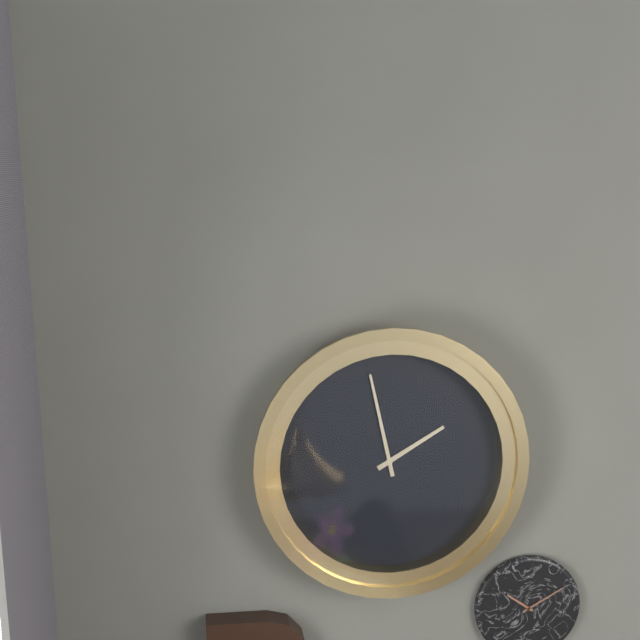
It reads 1,58
